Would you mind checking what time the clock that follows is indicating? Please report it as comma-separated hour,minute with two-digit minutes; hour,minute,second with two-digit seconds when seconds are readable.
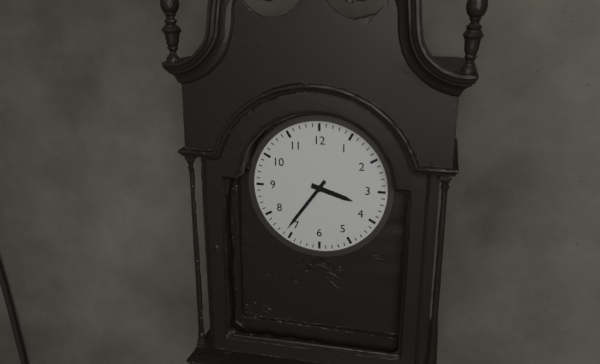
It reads 3,36
